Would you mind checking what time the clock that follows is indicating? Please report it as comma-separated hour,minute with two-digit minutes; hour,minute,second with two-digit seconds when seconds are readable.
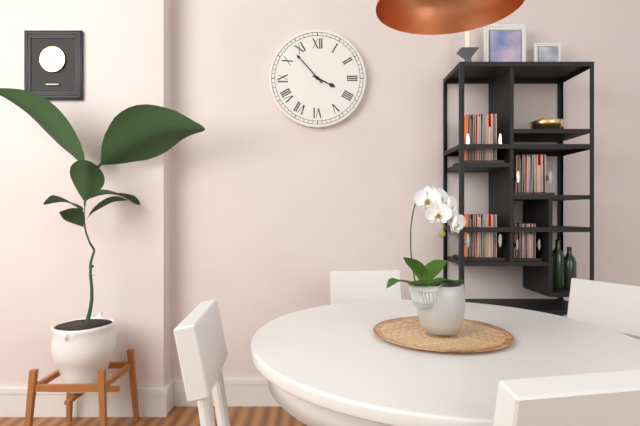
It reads 3,53
